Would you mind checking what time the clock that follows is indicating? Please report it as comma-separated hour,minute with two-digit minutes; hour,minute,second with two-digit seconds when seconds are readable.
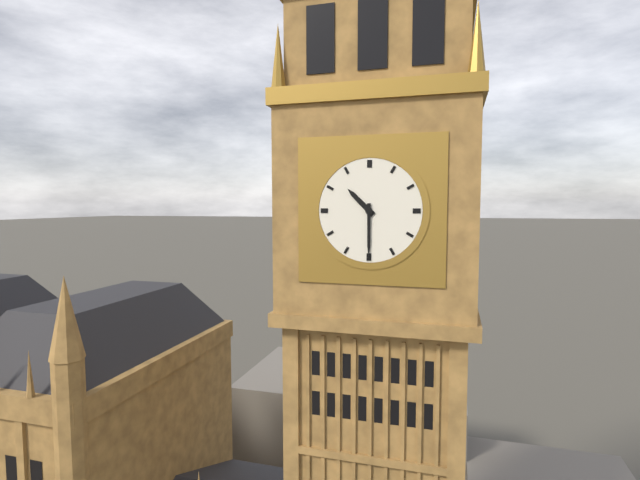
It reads 10,30
